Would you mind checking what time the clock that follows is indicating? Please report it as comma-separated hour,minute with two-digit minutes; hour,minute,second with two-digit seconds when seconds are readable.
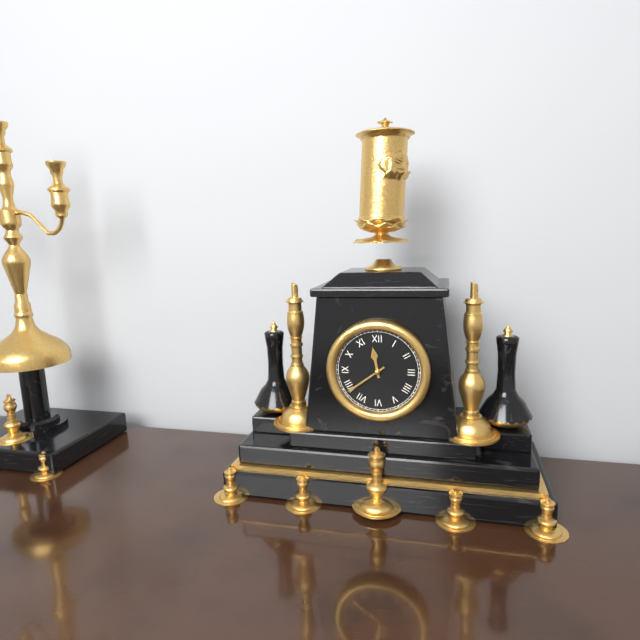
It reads 11,39
